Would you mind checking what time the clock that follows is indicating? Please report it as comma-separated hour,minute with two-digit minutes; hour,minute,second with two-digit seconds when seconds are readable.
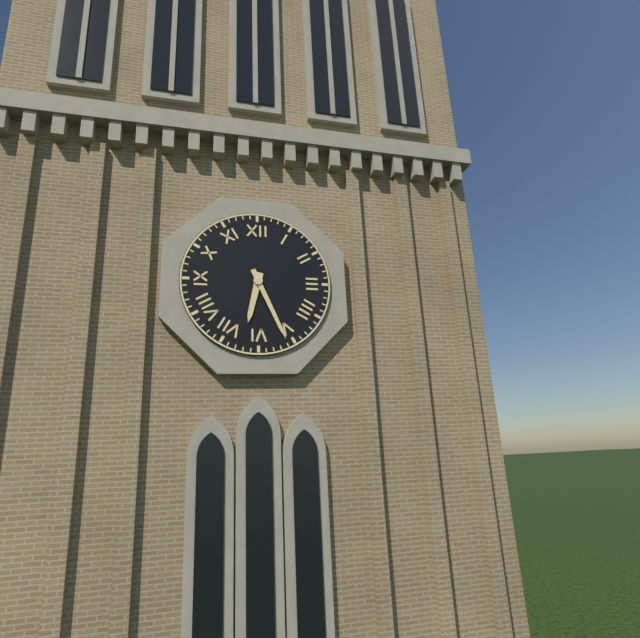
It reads 6,26
